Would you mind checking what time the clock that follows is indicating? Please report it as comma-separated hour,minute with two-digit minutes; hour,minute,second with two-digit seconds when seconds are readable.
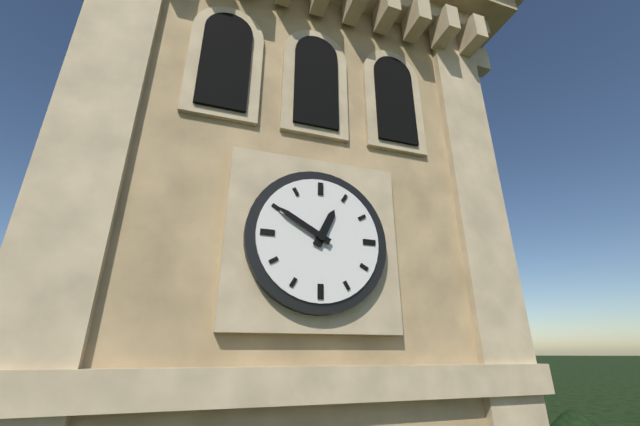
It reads 12,50
